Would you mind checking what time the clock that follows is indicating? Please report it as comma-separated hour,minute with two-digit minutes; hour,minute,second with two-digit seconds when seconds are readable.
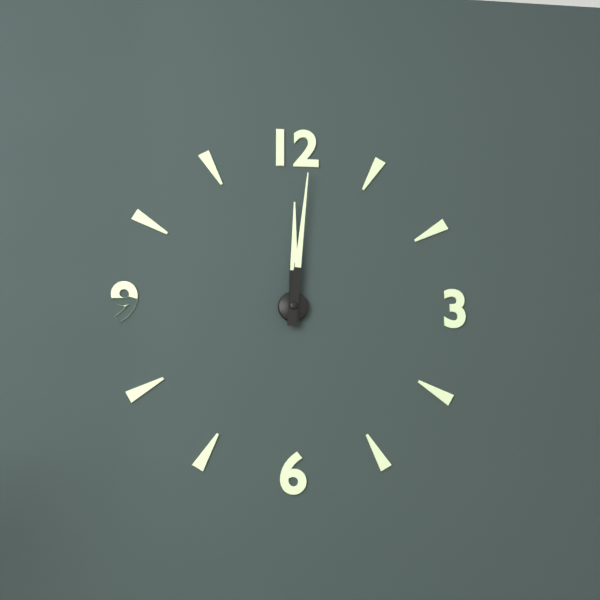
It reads 12,01
